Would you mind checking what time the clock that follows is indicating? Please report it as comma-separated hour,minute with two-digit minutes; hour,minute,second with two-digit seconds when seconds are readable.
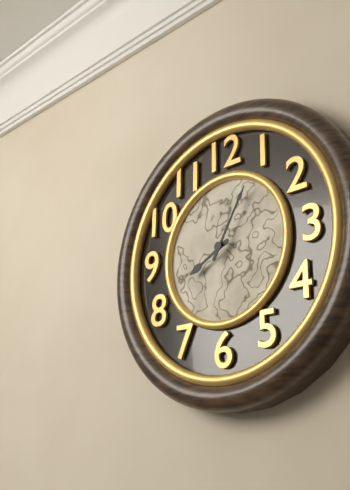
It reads 8,05
